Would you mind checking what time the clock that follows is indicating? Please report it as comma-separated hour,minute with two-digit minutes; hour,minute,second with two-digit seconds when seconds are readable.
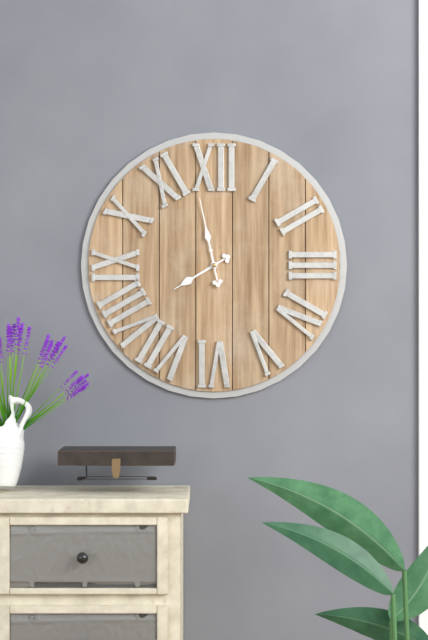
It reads 7,58
